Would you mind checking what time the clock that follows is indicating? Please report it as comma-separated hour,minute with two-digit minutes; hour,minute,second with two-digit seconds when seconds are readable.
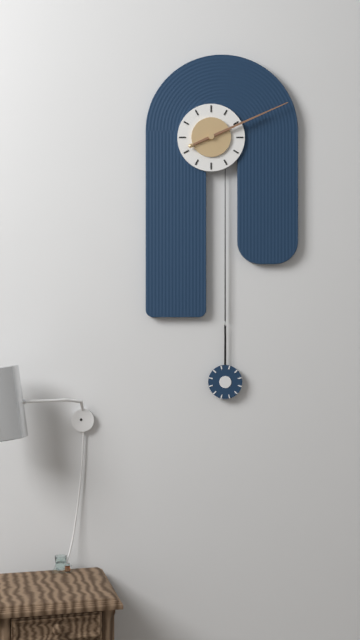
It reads 2,11
